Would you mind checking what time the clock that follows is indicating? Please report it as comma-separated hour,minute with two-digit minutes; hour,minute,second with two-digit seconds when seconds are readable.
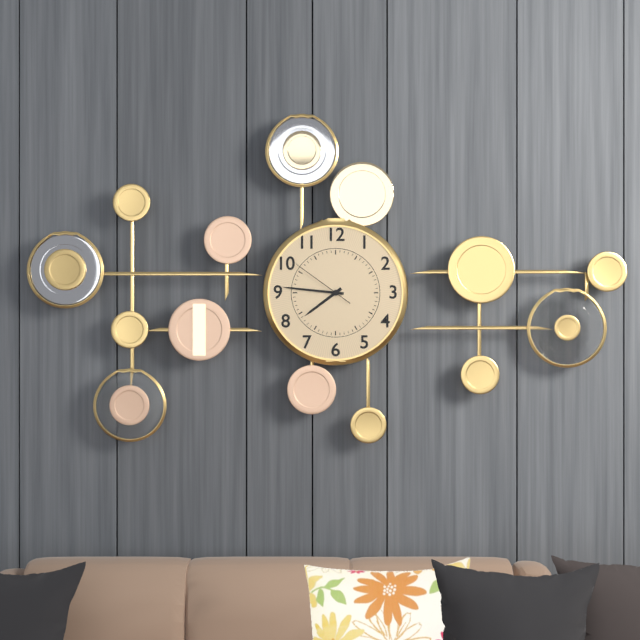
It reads 7,46,51
